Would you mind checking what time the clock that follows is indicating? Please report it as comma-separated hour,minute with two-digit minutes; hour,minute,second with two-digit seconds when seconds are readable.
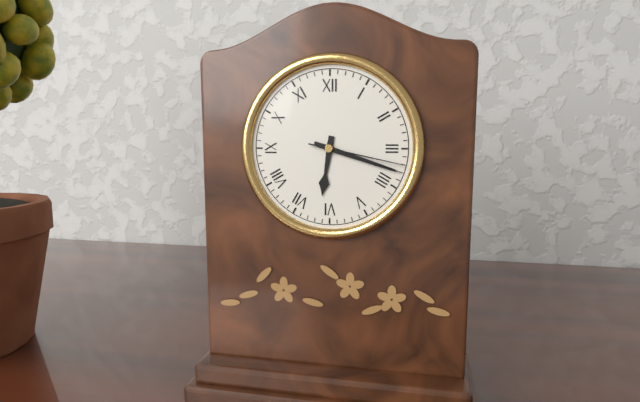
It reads 6,18,17
